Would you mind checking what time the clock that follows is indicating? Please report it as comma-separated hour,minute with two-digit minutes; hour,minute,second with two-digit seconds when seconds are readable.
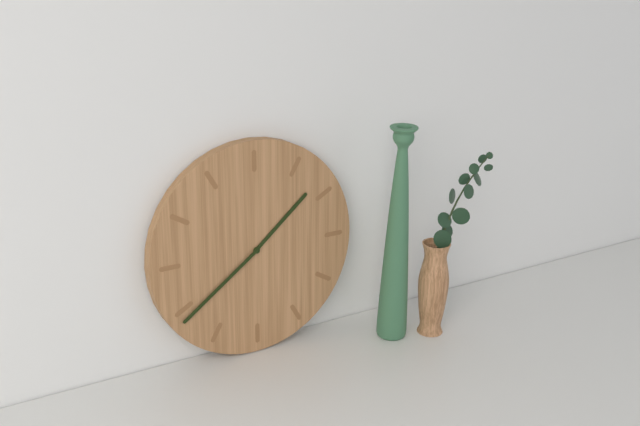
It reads 1,39
